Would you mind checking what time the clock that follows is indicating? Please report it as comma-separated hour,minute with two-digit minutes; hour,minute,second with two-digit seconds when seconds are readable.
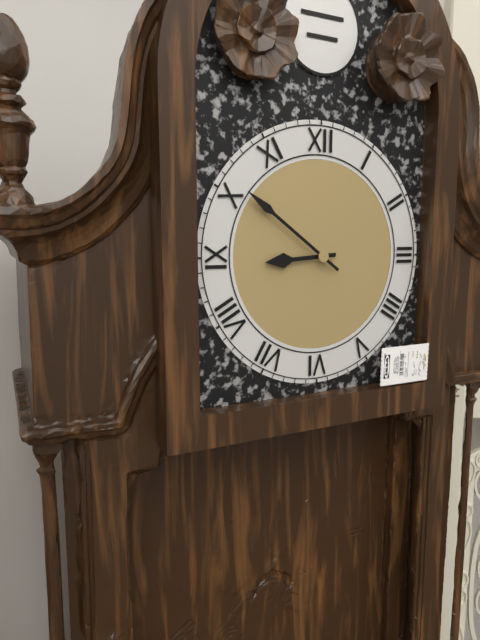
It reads 8,51
